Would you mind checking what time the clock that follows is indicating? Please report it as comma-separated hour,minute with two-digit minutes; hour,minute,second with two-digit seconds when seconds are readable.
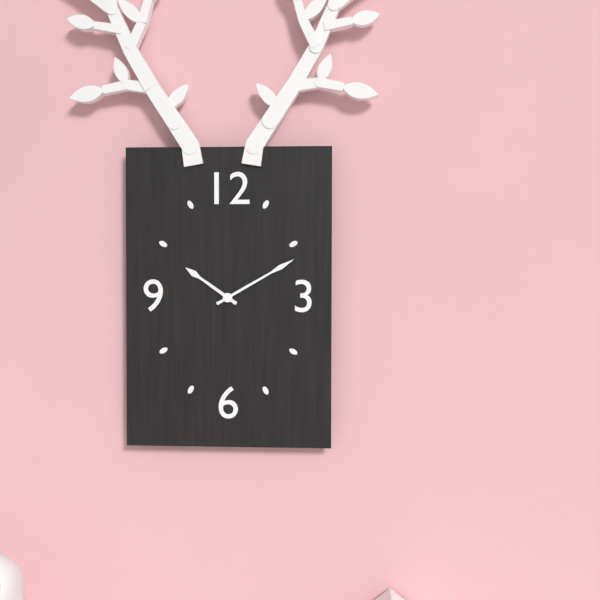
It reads 10,10
